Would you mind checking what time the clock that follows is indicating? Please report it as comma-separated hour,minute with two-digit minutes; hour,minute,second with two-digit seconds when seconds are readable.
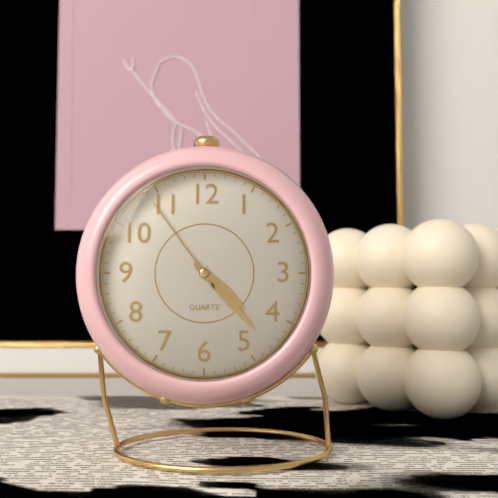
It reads 4,23,54
